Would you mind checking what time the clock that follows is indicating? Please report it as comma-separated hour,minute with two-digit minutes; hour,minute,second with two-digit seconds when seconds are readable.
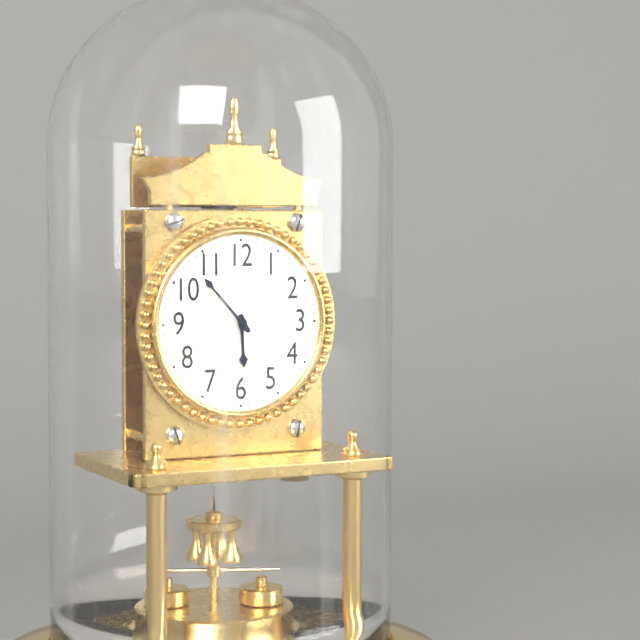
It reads 5,53
